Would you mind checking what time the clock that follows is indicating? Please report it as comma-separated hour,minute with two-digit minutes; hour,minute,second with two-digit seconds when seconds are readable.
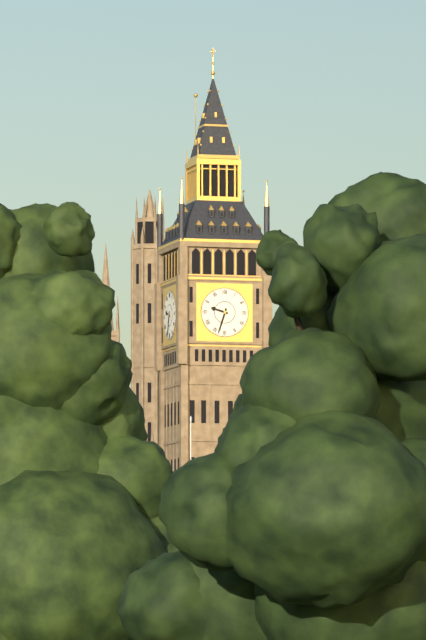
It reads 9,33
